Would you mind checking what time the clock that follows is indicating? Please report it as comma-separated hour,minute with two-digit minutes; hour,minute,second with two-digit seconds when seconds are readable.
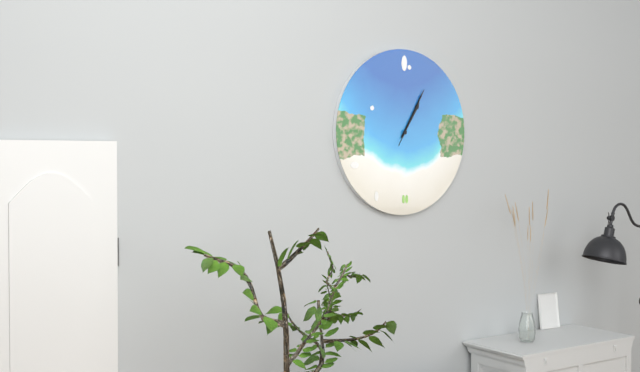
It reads 1,05,05
